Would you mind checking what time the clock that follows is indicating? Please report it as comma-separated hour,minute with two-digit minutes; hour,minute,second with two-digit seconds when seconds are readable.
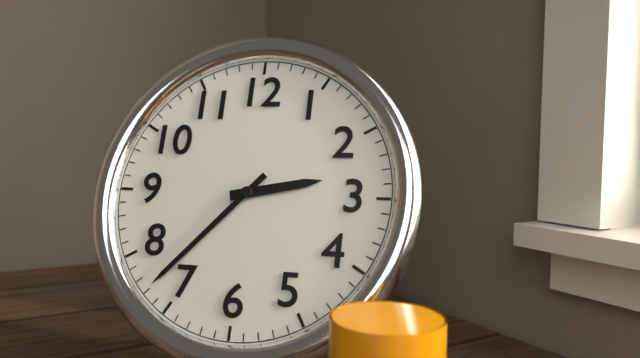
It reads 2,37
